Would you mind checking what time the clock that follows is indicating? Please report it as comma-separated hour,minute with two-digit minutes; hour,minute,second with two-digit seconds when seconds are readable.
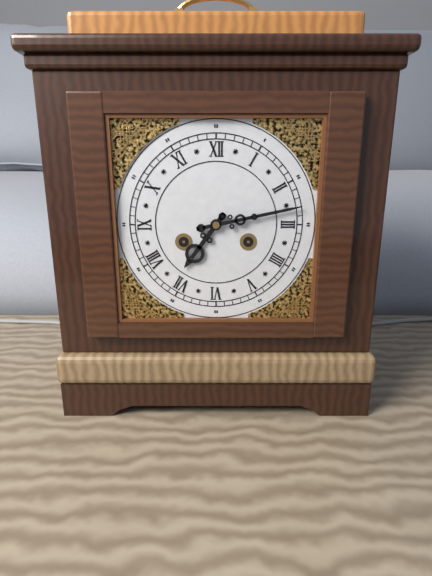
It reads 7,13
